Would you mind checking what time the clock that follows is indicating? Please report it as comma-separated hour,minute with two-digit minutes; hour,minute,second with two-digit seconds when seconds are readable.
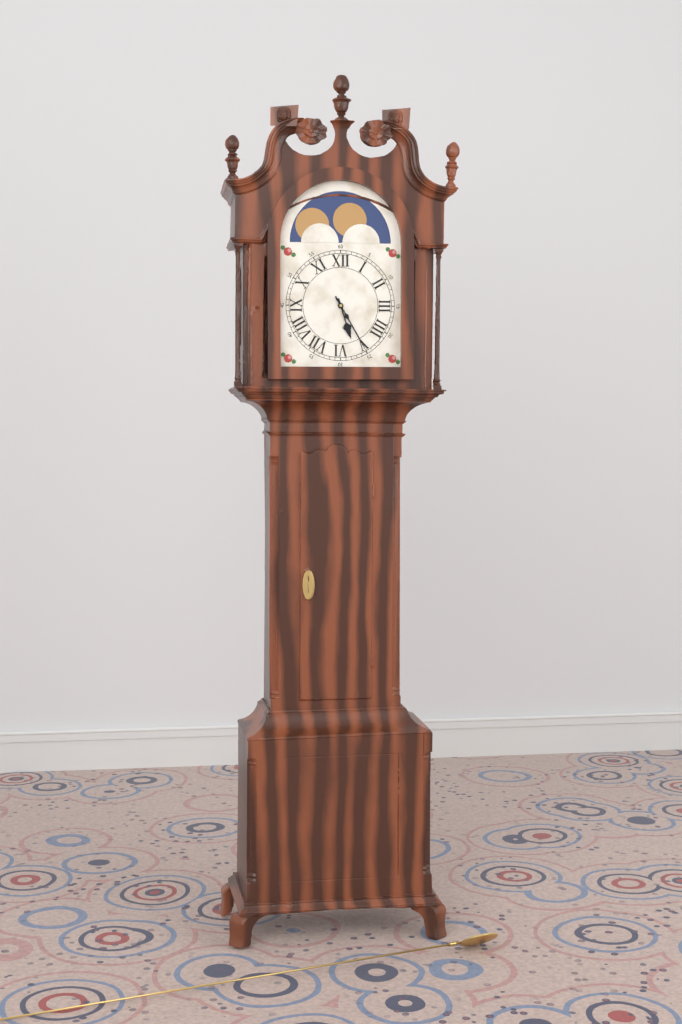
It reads 5,25
